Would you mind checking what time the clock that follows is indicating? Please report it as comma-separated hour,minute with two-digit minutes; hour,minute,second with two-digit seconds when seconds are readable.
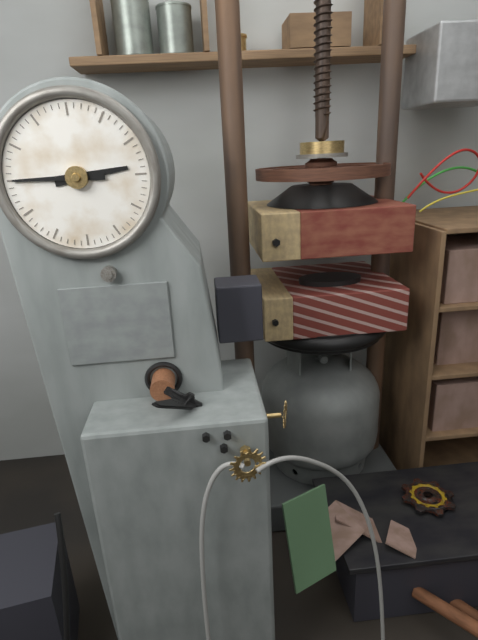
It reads 2,45
